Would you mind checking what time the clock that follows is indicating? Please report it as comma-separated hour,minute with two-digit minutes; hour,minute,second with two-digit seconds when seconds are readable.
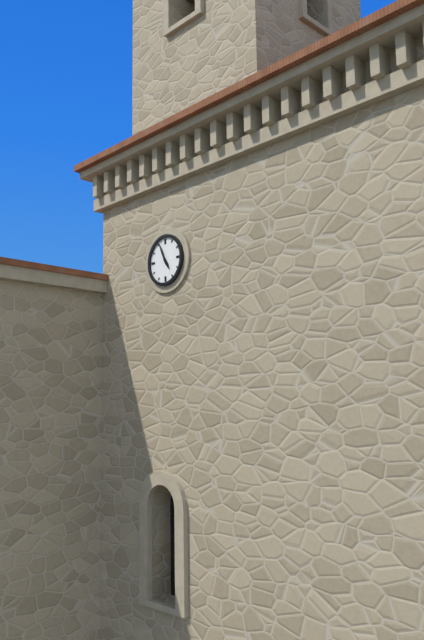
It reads 4,56
